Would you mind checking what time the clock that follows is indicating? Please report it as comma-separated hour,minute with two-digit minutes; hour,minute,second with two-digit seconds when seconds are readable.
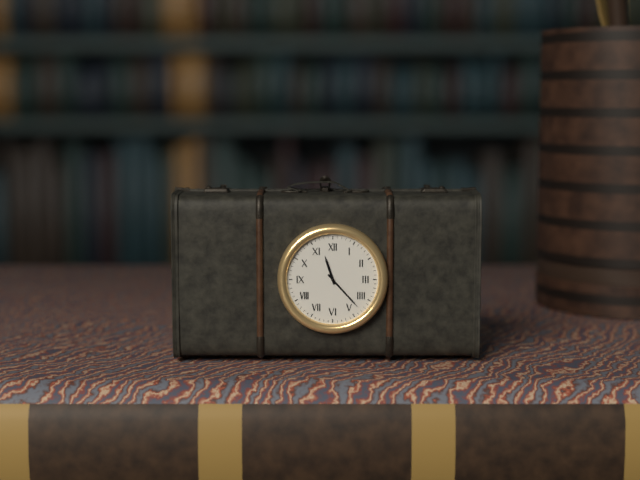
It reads 11,23
